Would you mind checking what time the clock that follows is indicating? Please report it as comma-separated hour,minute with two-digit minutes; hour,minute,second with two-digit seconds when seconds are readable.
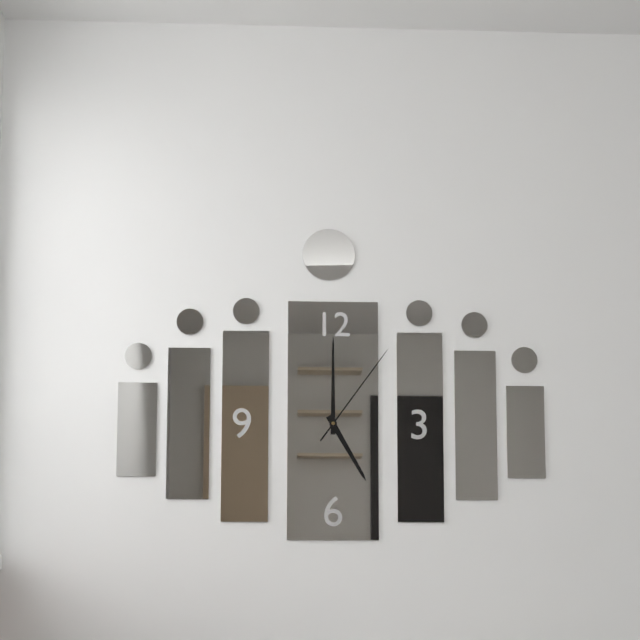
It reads 5,00,06
